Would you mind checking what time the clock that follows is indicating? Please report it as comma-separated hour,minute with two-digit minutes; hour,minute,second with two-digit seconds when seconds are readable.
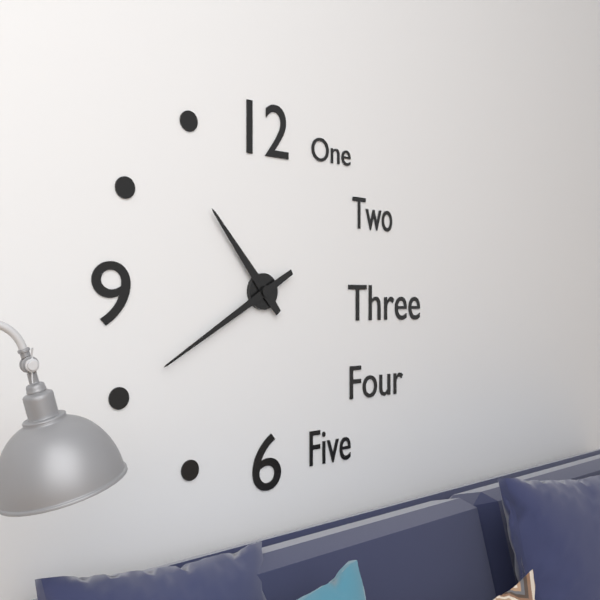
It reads 10,40
